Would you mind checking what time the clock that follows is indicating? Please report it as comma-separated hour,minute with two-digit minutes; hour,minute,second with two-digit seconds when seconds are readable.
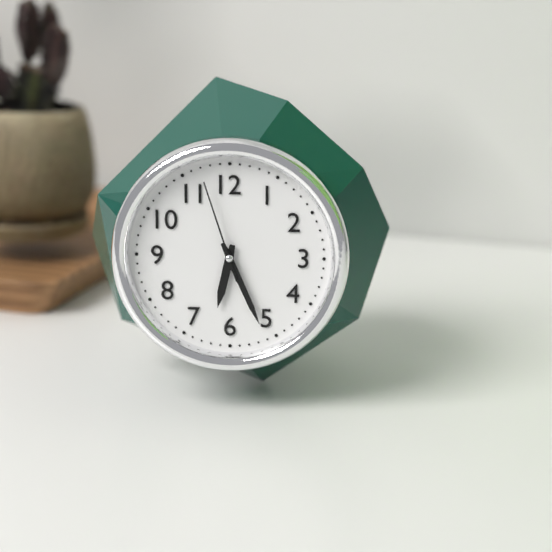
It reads 6,26,57
